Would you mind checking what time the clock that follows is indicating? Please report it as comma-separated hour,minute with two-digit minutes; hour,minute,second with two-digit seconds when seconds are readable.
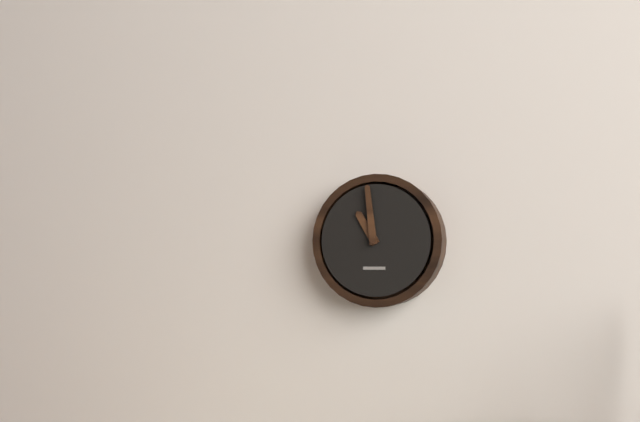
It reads 10,59
